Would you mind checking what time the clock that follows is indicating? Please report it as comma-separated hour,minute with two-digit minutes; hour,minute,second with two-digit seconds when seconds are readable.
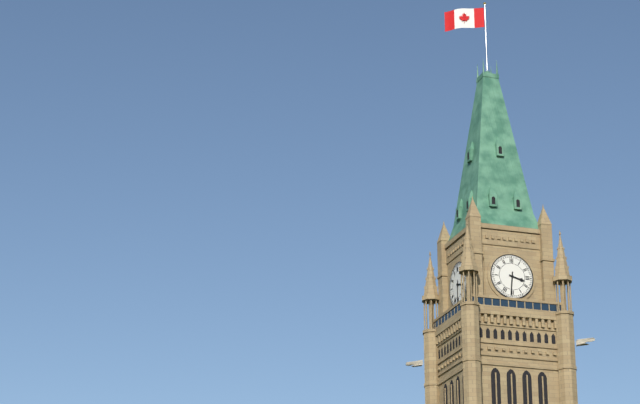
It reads 3,31
